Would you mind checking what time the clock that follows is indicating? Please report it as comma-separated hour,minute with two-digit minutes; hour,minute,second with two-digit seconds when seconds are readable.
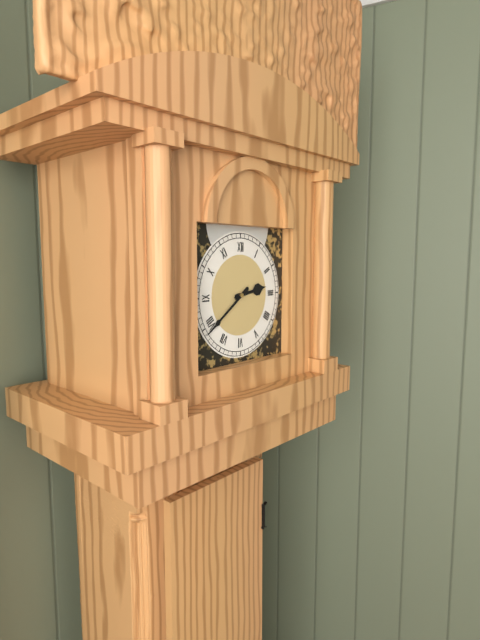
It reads 2,39
